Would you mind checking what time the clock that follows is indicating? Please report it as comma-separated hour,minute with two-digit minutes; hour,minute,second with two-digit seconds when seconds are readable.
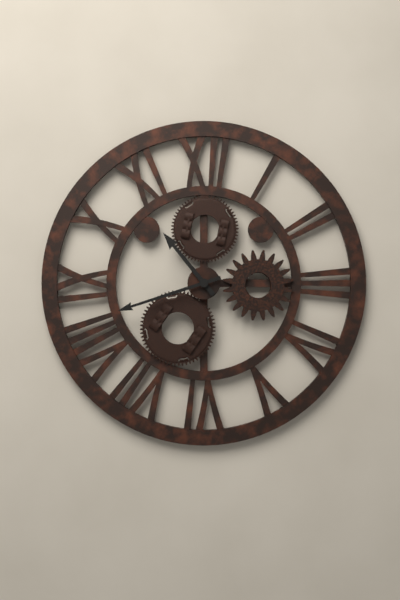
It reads 10,42
